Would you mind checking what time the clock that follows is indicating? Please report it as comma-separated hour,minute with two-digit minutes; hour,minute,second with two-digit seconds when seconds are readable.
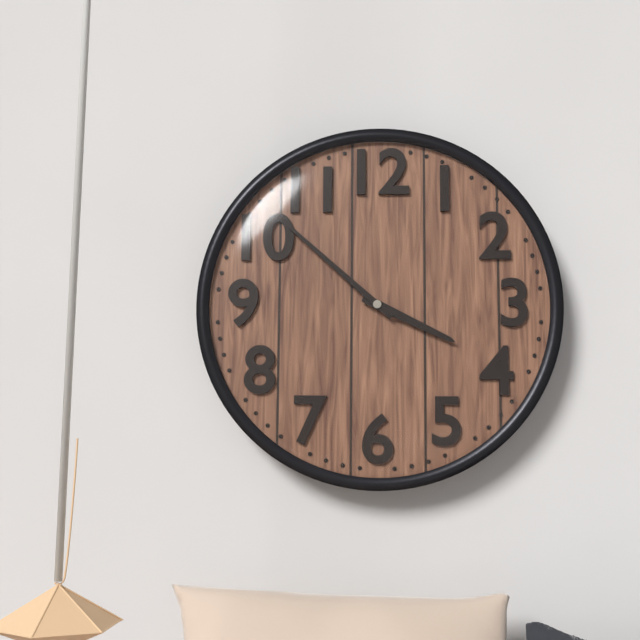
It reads 3,52
